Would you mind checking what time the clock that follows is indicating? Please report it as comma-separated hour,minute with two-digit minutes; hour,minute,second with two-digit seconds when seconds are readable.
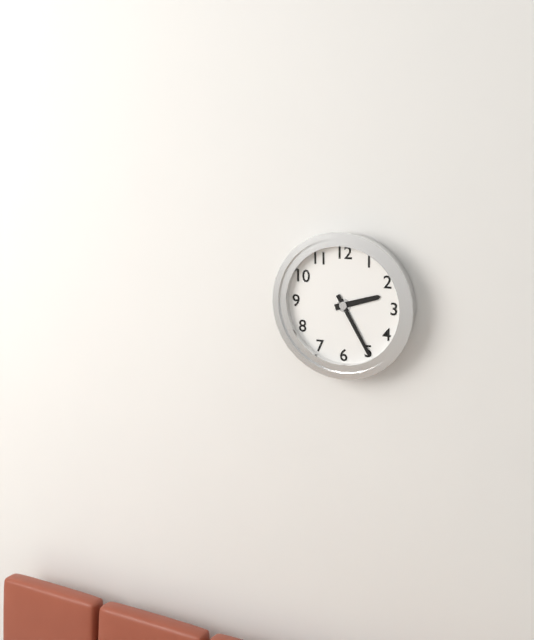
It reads 2,25
